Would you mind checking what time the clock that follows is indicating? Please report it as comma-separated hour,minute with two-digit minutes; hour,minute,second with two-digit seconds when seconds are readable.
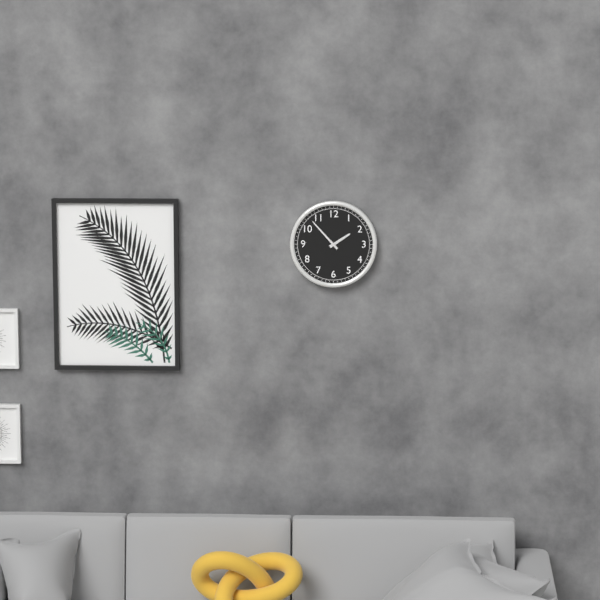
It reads 1,53
